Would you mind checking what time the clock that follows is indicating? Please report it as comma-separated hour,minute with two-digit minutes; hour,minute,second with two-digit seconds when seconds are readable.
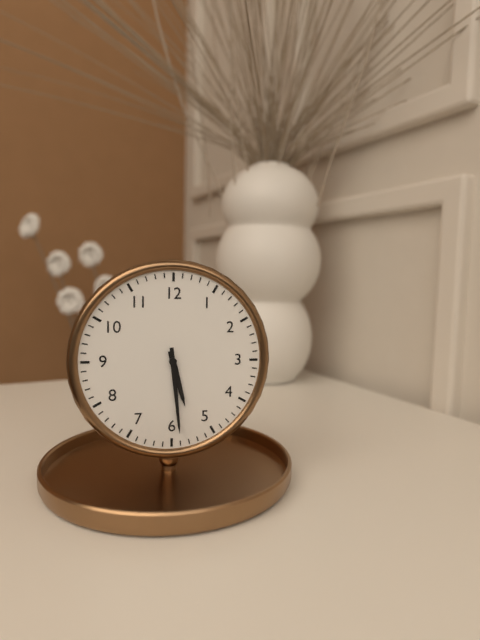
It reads 5,29
